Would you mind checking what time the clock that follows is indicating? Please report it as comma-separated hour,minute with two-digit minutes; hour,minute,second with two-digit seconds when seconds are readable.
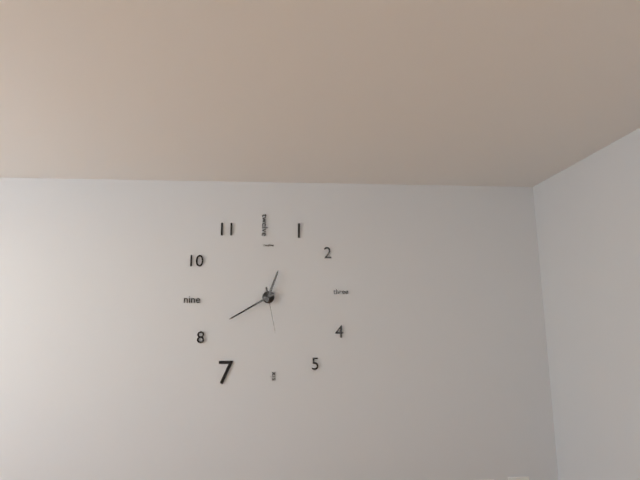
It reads 12,40
